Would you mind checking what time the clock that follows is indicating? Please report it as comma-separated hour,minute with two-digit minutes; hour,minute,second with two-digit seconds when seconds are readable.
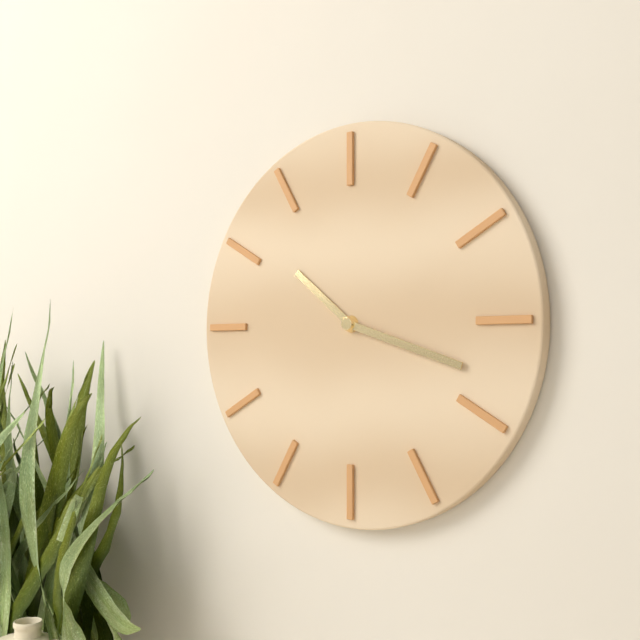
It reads 10,18
